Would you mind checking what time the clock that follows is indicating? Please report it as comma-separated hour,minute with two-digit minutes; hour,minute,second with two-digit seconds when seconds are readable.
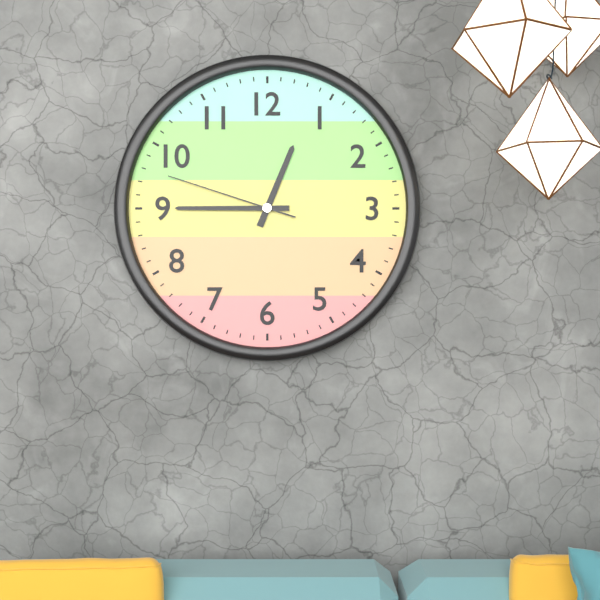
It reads 12,45,48
